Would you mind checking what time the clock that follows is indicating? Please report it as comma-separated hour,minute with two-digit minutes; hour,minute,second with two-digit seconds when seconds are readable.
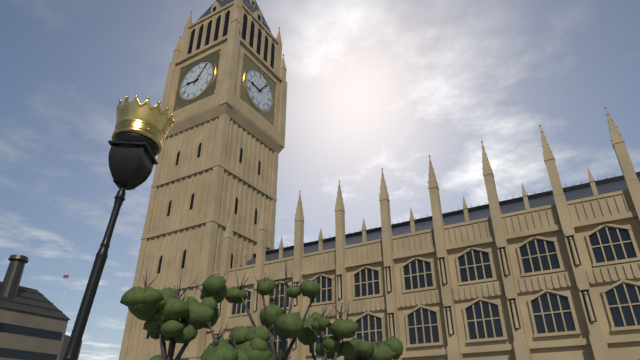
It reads 9,06
